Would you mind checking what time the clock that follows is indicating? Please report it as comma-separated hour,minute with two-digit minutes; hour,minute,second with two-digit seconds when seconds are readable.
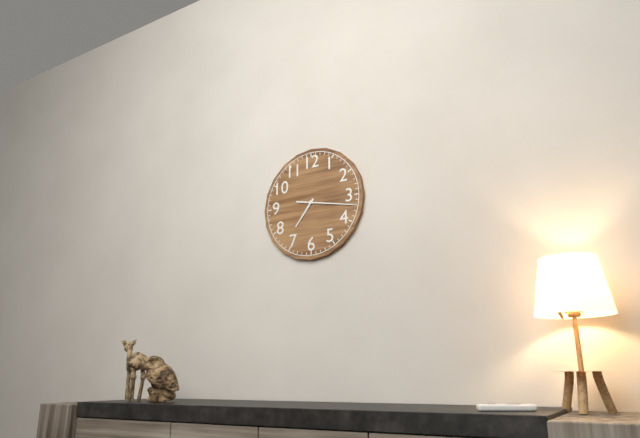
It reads 7,17
